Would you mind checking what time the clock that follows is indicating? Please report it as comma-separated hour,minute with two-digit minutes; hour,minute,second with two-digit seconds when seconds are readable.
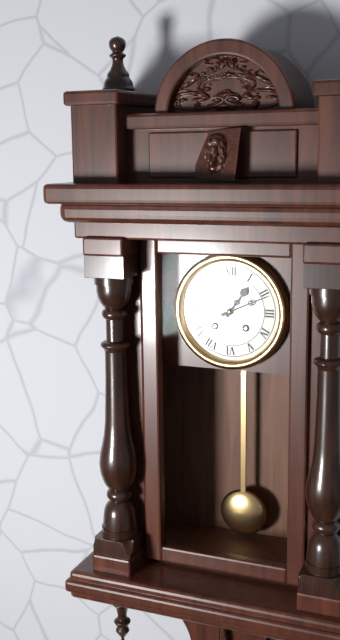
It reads 1,11
